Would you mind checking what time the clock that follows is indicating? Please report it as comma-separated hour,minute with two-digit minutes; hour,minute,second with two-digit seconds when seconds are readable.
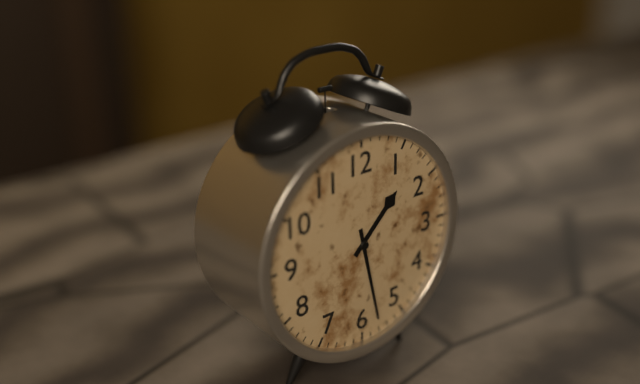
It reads 1,28
